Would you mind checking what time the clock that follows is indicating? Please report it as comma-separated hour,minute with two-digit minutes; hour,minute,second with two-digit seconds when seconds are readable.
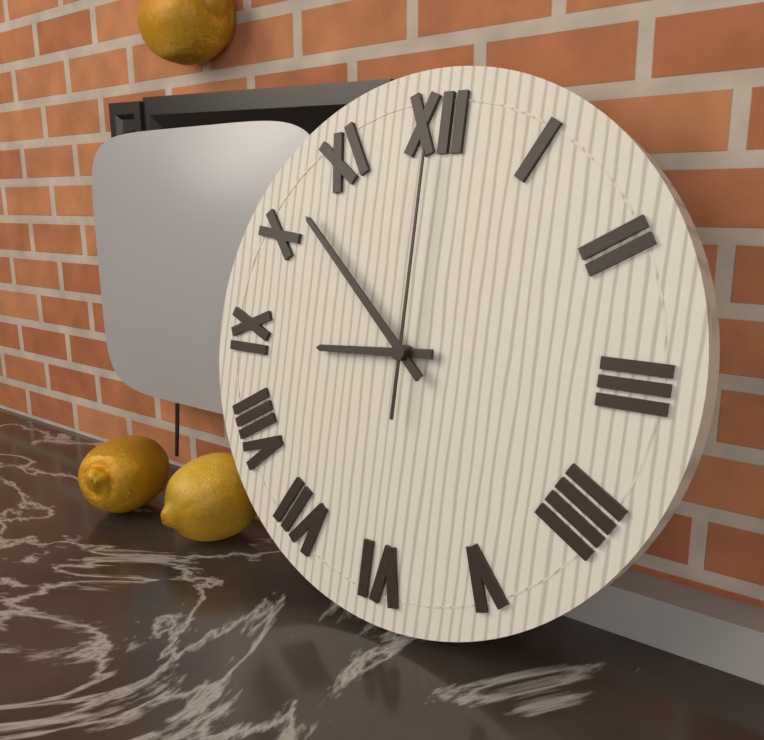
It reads 8,52,00
